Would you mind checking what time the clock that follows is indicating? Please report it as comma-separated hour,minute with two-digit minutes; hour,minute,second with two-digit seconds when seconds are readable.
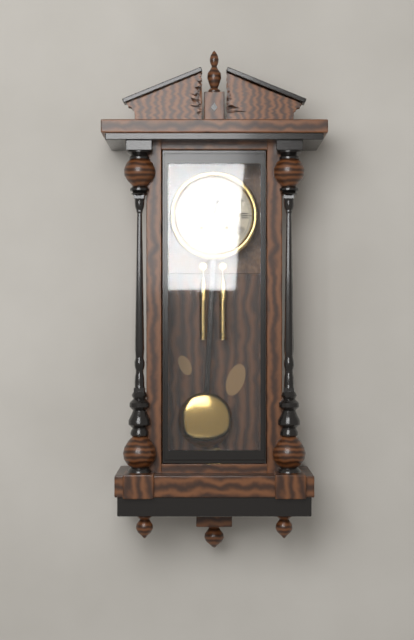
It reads 12,19
